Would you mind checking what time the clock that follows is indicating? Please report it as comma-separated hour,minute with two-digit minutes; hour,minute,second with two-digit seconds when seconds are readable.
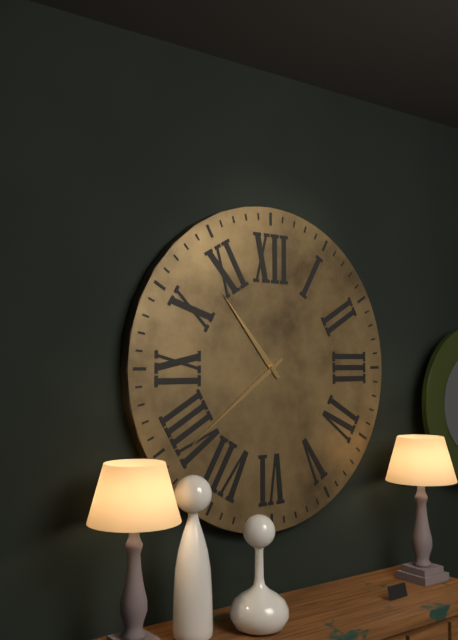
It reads 10,39
